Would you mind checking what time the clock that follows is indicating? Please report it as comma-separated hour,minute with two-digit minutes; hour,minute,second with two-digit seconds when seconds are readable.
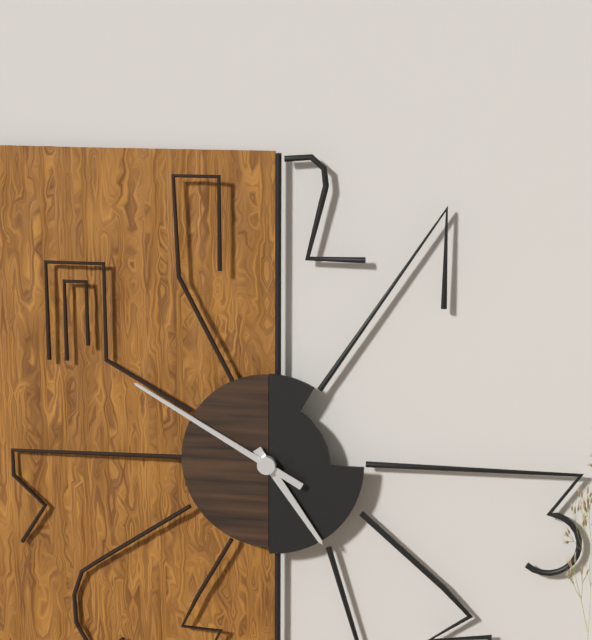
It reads 4,50
